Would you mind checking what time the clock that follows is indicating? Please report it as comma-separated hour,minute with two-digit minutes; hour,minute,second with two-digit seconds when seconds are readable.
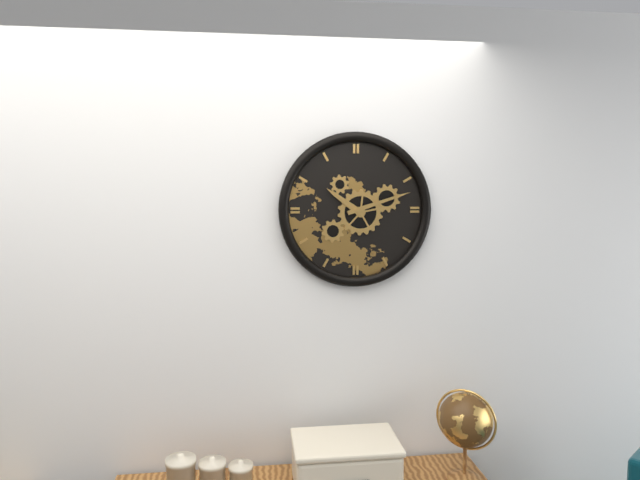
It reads 10,12
